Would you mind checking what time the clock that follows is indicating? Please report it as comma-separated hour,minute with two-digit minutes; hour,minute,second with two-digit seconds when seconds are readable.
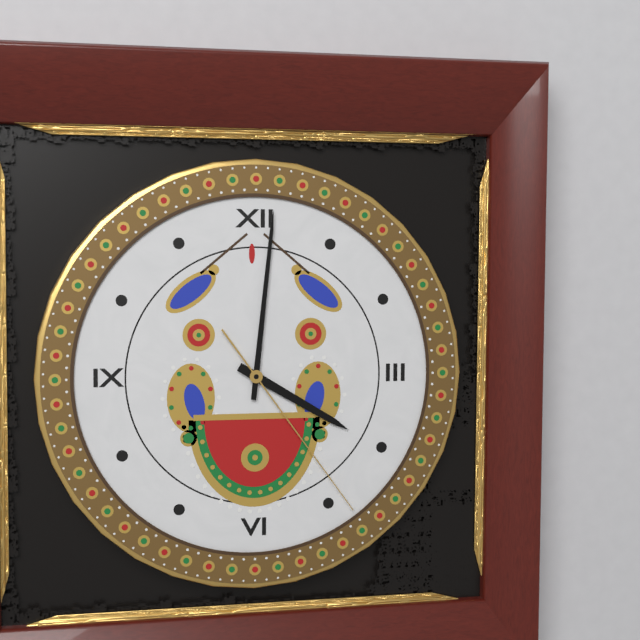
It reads 4,01,24
